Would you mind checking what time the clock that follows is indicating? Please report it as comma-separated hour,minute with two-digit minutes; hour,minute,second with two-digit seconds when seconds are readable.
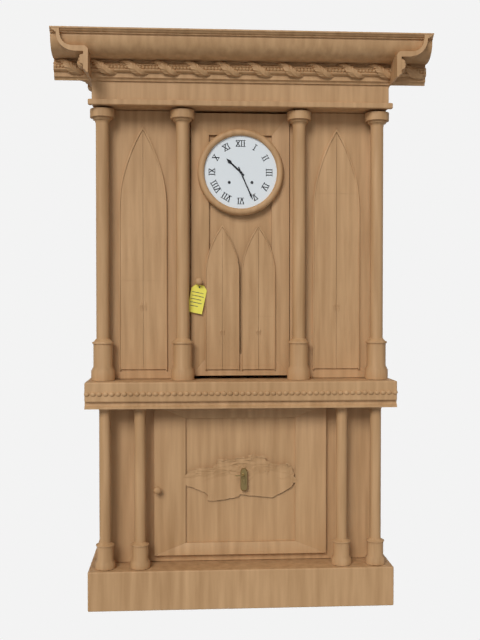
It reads 10,26
